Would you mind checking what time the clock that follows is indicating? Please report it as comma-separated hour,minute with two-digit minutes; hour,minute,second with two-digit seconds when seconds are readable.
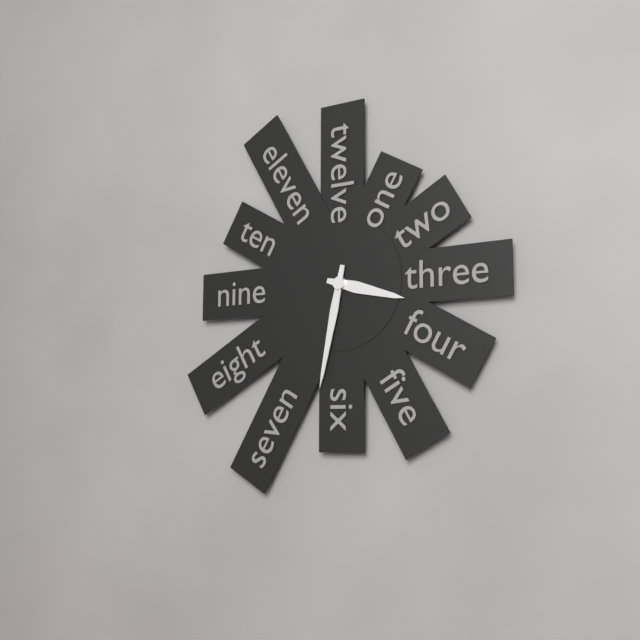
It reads 3,32
